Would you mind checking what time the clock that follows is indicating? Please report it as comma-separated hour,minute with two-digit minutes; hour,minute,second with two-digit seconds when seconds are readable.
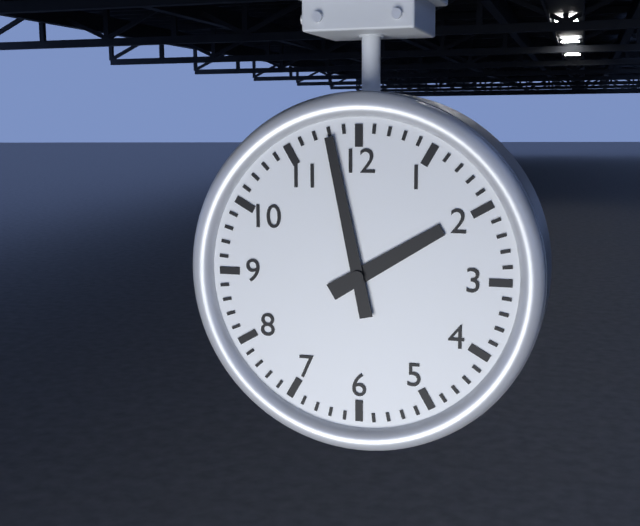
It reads 1,58
